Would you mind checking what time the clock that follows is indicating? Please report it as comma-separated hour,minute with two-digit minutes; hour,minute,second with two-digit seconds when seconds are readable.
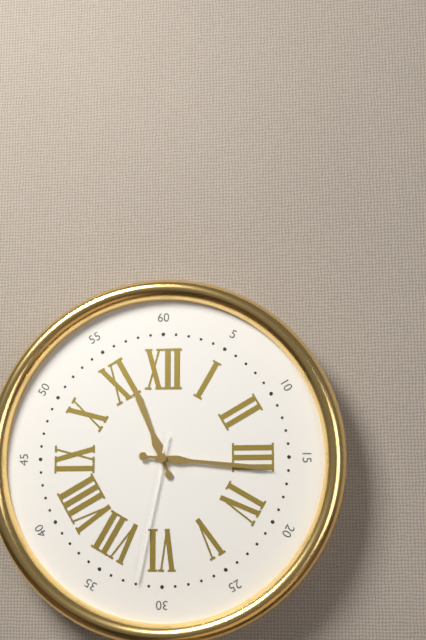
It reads 11,16,32
